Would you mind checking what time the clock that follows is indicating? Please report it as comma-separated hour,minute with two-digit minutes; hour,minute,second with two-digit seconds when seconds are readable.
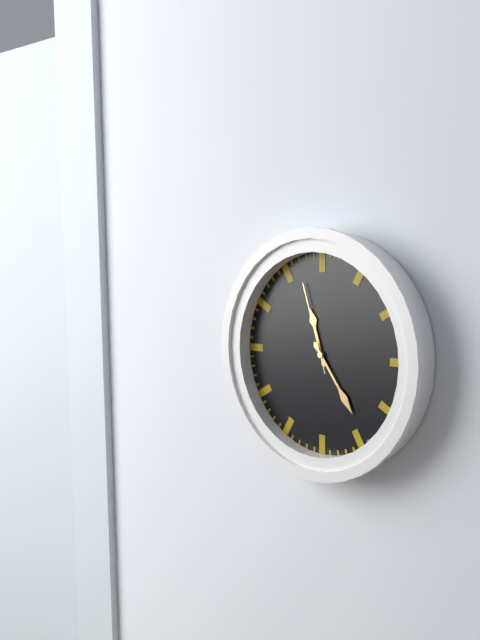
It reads 11,24,57
